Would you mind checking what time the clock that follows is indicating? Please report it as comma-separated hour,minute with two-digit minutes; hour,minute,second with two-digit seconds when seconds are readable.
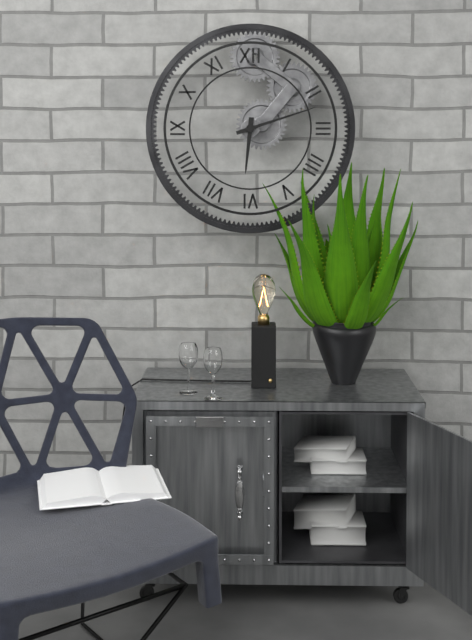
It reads 6,12
